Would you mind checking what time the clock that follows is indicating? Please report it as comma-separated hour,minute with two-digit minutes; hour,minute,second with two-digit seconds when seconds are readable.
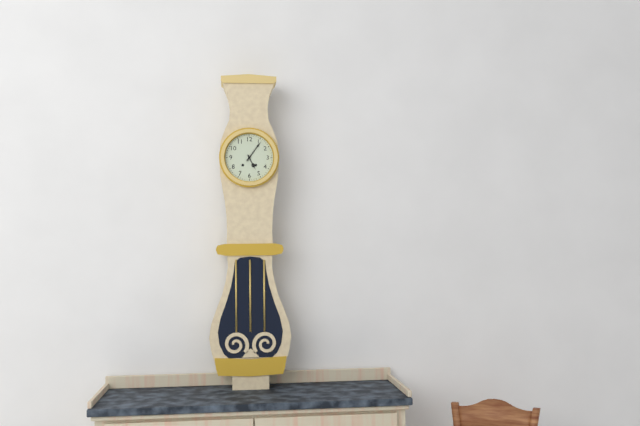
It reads 5,06
